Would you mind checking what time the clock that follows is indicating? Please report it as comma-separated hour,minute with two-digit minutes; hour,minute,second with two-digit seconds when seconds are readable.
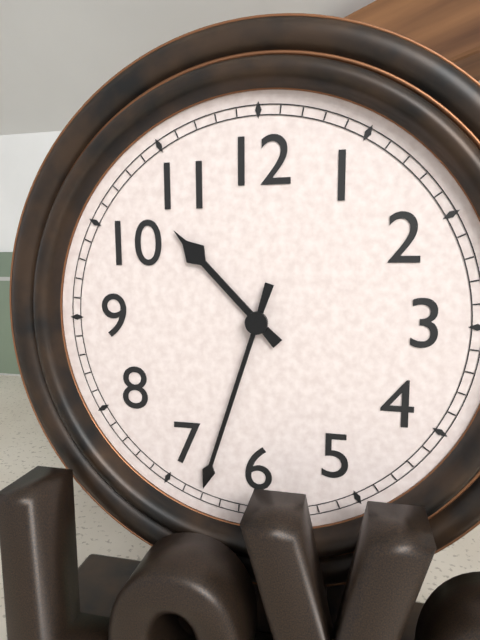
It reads 10,33
